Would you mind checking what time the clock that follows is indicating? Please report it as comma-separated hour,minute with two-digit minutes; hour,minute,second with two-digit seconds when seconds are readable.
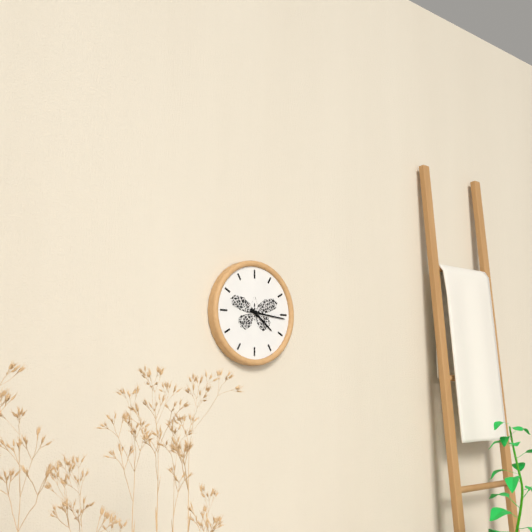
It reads 4,16
